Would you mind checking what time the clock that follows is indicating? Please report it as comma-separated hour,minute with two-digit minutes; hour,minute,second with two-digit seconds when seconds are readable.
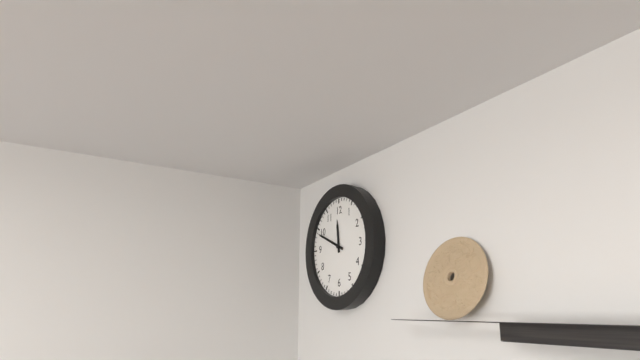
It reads 11,49
